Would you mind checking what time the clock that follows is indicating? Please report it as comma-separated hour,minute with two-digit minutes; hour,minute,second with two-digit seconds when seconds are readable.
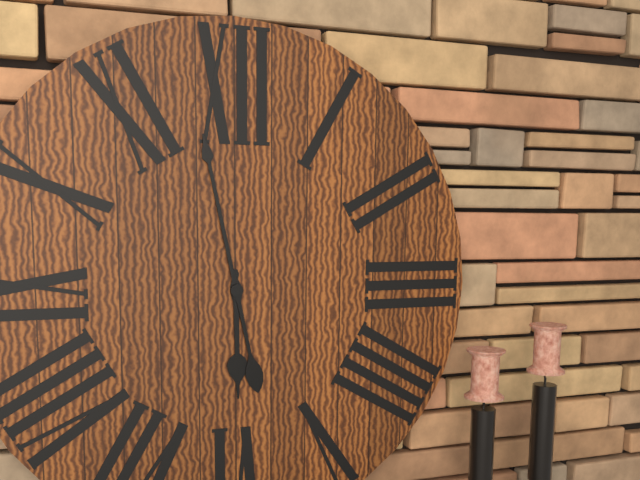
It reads 5,58
